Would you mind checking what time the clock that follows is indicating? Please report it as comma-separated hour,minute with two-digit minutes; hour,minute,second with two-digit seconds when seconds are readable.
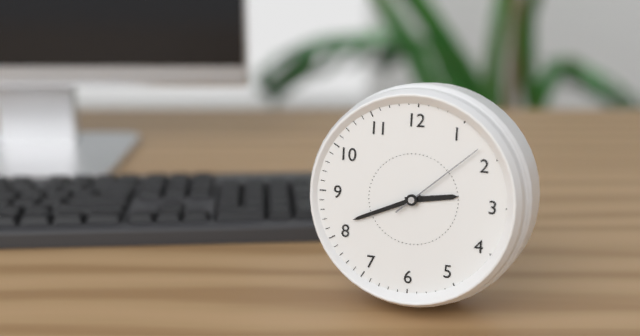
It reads 2,41,08
